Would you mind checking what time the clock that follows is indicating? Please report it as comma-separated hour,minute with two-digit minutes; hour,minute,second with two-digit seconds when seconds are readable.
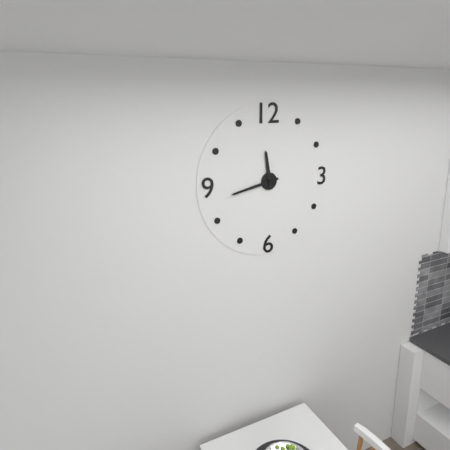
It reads 11,43
